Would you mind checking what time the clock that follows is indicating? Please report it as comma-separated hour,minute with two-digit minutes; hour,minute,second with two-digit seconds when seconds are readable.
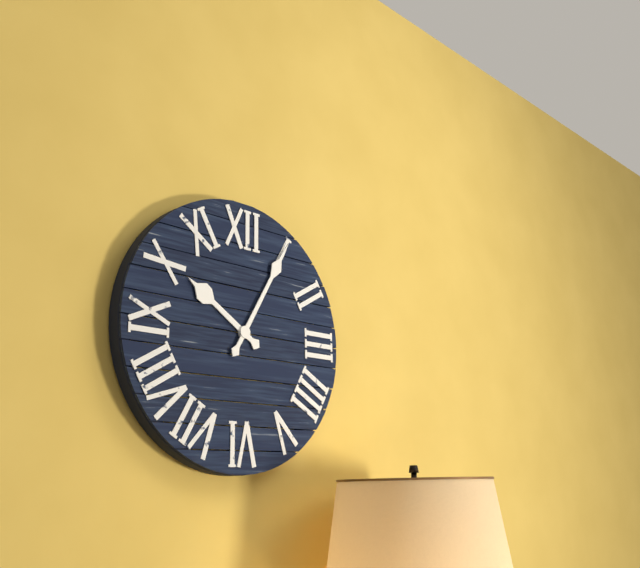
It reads 10,05
